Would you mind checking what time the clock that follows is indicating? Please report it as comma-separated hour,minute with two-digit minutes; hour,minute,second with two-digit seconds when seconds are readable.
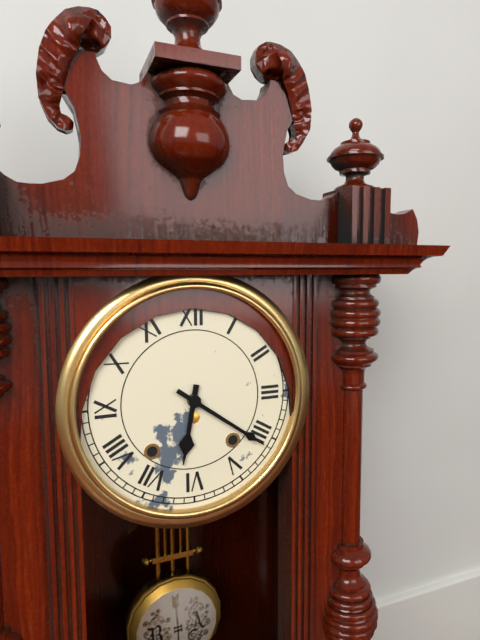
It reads 6,21
